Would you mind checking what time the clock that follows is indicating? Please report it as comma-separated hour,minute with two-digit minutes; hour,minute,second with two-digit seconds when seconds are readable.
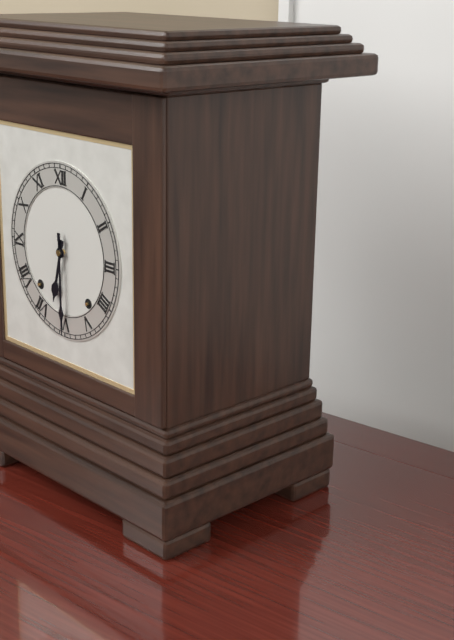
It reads 6,30
